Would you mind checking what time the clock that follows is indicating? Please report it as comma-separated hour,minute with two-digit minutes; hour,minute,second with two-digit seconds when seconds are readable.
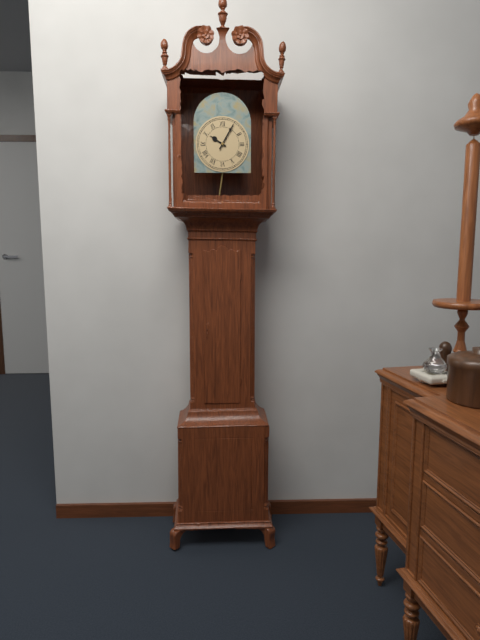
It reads 10,05
